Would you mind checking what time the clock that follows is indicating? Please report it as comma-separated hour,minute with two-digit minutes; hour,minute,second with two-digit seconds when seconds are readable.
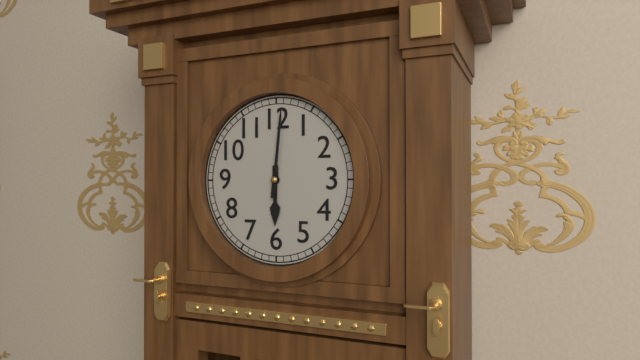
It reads 6,01
